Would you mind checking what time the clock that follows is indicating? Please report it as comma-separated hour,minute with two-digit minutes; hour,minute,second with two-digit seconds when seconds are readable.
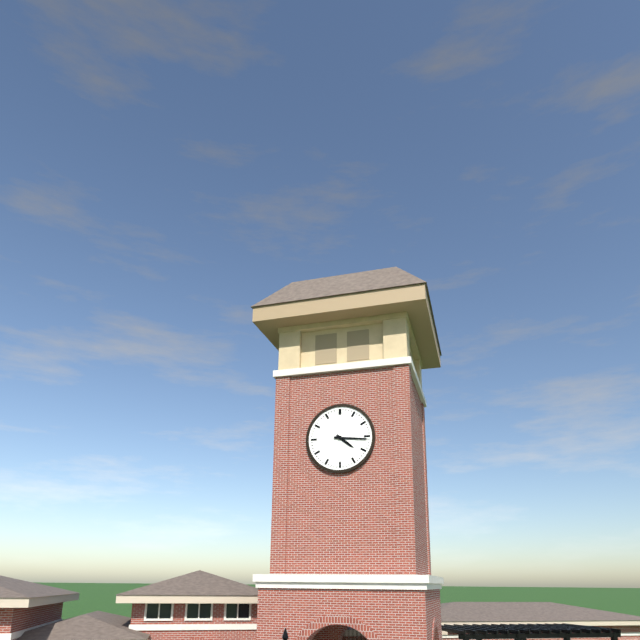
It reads 4,16
